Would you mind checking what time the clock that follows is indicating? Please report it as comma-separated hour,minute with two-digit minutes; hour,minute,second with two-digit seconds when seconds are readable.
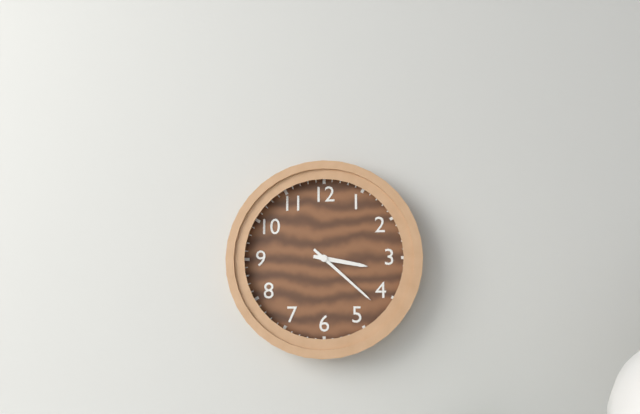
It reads 3,22
